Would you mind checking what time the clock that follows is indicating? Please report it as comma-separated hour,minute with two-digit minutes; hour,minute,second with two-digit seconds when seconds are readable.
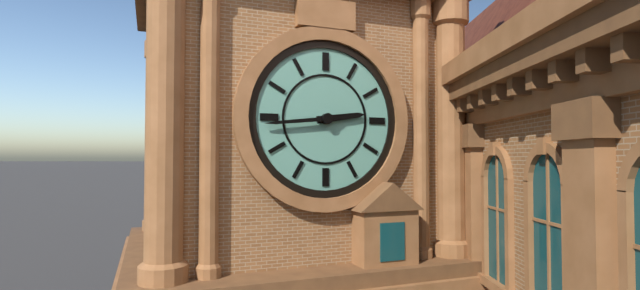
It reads 2,44
